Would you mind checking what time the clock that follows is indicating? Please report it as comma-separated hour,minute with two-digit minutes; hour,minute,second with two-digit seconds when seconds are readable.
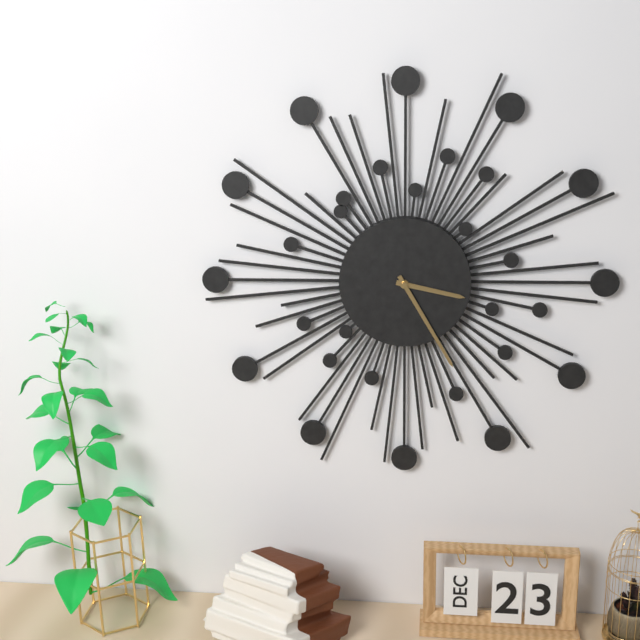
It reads 3,25
